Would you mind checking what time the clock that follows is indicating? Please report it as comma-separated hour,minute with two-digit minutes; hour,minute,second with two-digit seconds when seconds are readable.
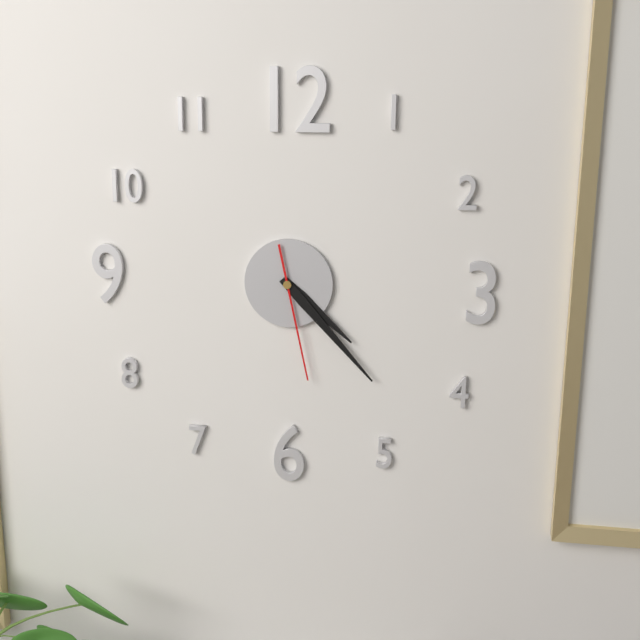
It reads 4,23,28
